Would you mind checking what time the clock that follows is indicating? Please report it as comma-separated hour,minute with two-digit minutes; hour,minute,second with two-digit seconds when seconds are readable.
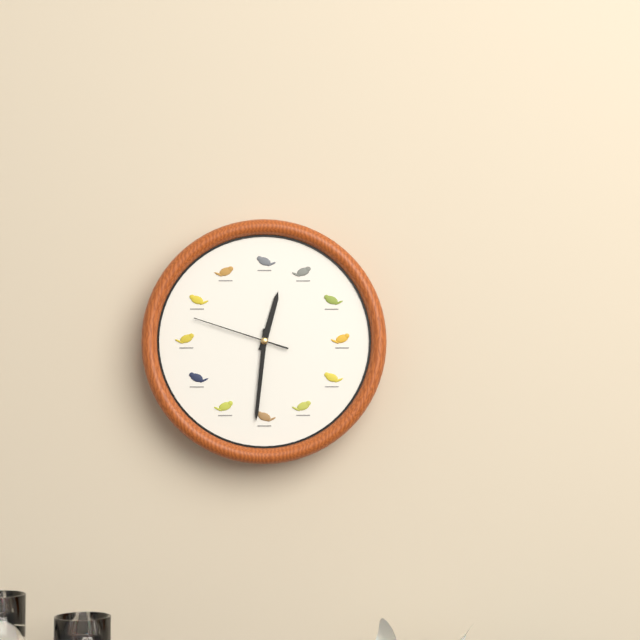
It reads 12,31,48
